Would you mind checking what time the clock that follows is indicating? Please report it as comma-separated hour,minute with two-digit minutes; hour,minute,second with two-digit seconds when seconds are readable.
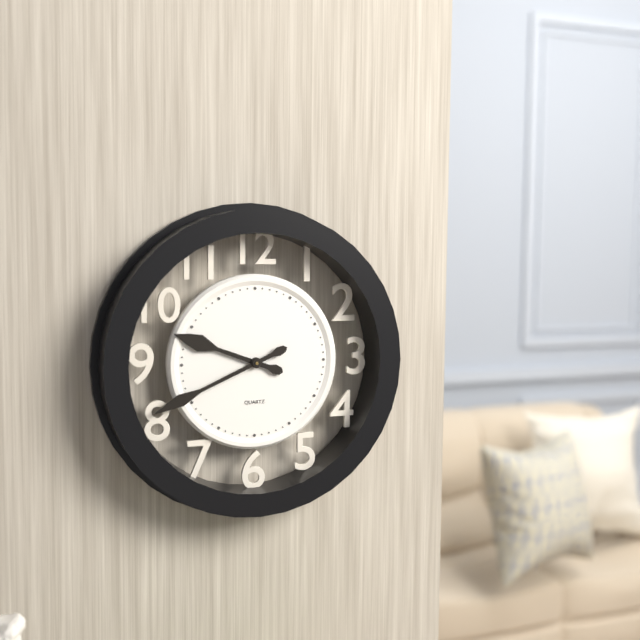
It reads 9,41
